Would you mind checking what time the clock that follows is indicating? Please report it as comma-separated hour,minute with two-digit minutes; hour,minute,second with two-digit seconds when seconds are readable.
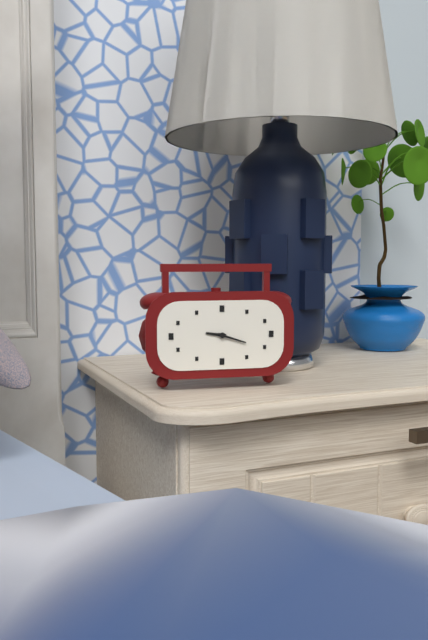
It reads 9,18
